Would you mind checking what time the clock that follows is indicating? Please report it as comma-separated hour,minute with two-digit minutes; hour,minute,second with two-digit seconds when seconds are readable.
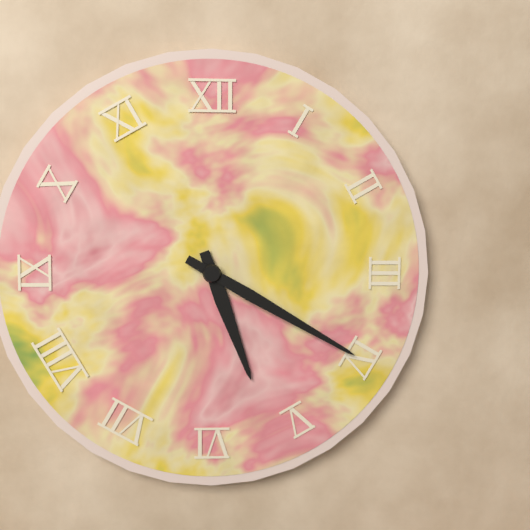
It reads 5,20
